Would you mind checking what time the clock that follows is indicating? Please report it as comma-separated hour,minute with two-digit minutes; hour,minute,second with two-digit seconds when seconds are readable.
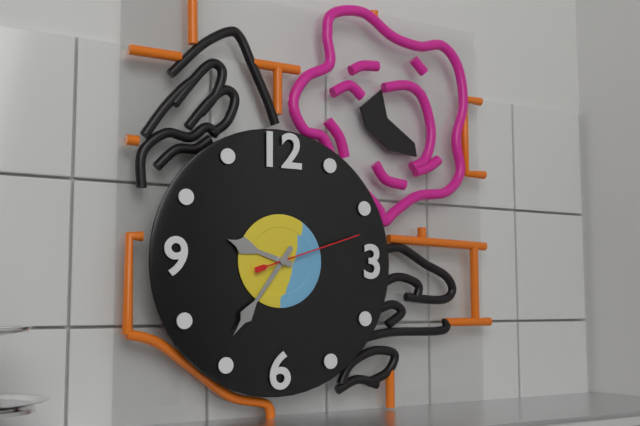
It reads 9,36,12
